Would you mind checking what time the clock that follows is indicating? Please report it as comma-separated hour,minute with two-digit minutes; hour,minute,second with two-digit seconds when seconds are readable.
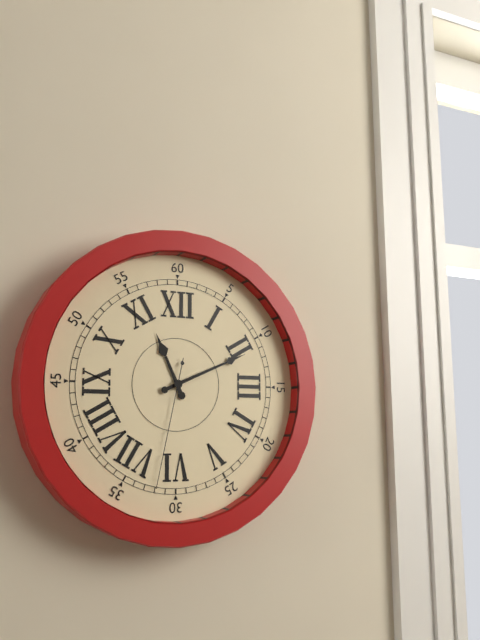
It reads 11,11,32
